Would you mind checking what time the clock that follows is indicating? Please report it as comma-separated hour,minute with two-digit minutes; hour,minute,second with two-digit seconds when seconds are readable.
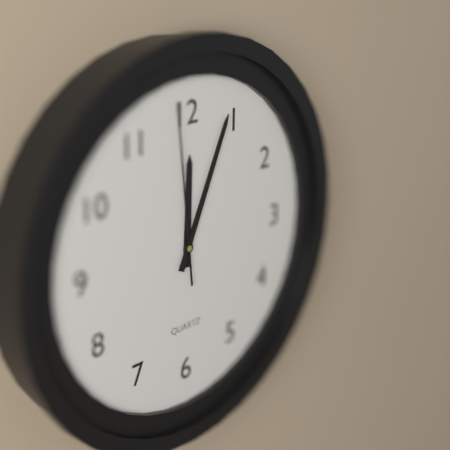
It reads 12,04,59
